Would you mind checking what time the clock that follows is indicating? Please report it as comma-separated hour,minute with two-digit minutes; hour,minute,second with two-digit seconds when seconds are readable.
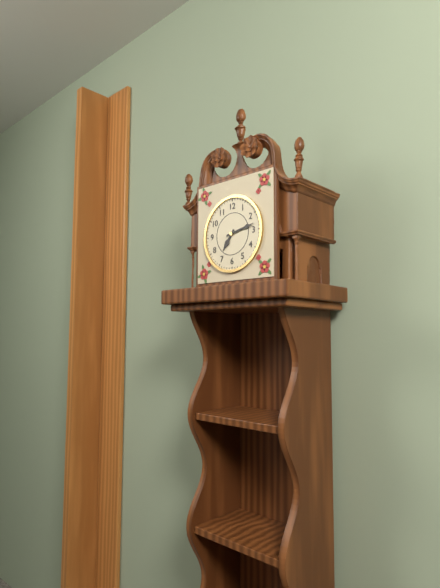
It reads 7,13
